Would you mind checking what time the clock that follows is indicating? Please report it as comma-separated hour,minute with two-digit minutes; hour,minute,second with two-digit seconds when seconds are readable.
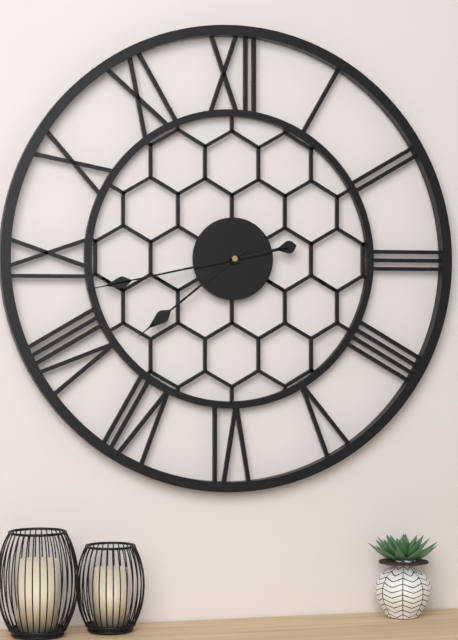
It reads 7,43
